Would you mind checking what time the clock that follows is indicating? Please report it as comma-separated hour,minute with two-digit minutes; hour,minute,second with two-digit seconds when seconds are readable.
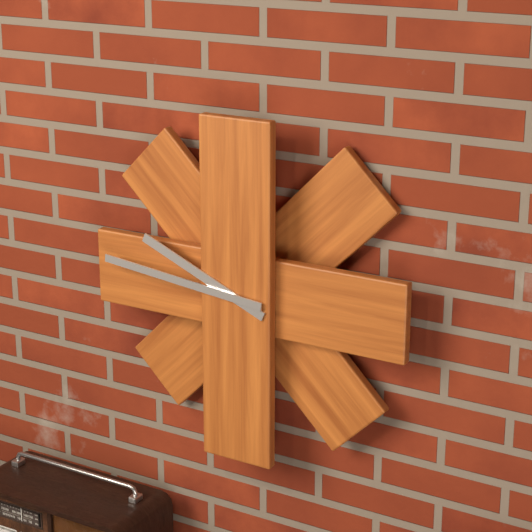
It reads 9,46
